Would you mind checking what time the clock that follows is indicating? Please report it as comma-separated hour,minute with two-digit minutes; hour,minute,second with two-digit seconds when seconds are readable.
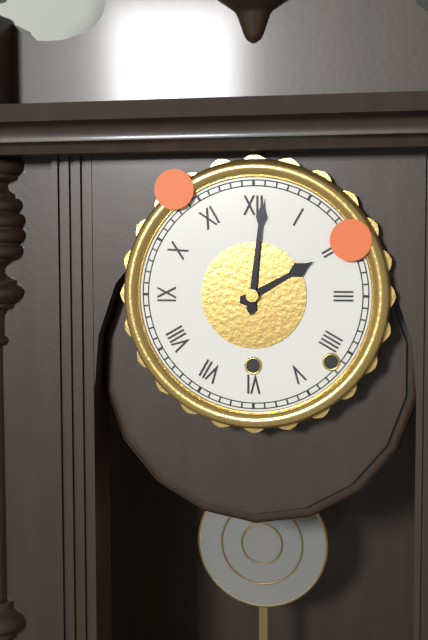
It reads 2,01
